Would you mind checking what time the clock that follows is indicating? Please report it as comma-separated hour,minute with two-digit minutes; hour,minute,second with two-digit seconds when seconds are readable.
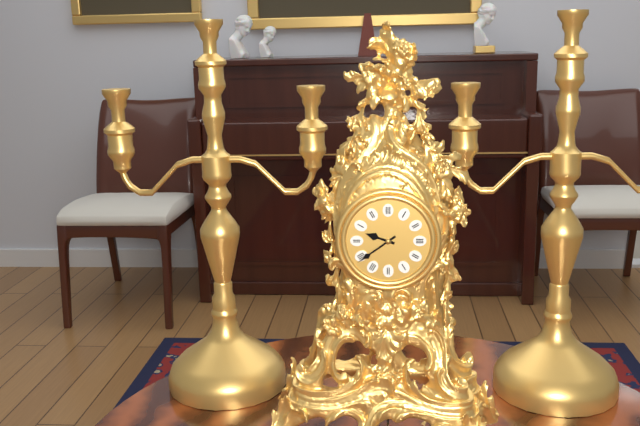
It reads 9,39
